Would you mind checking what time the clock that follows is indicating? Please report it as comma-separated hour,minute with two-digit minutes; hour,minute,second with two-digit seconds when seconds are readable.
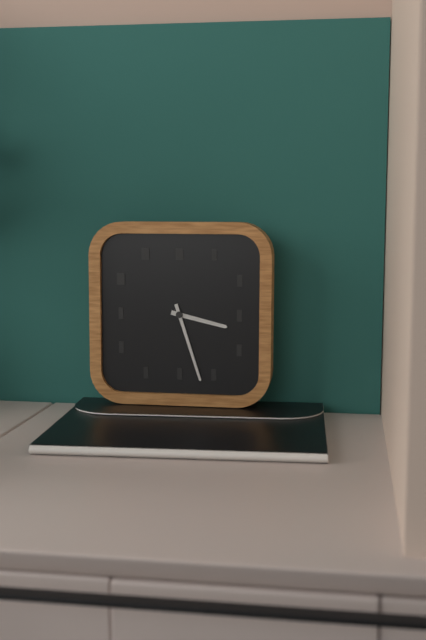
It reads 3,27
